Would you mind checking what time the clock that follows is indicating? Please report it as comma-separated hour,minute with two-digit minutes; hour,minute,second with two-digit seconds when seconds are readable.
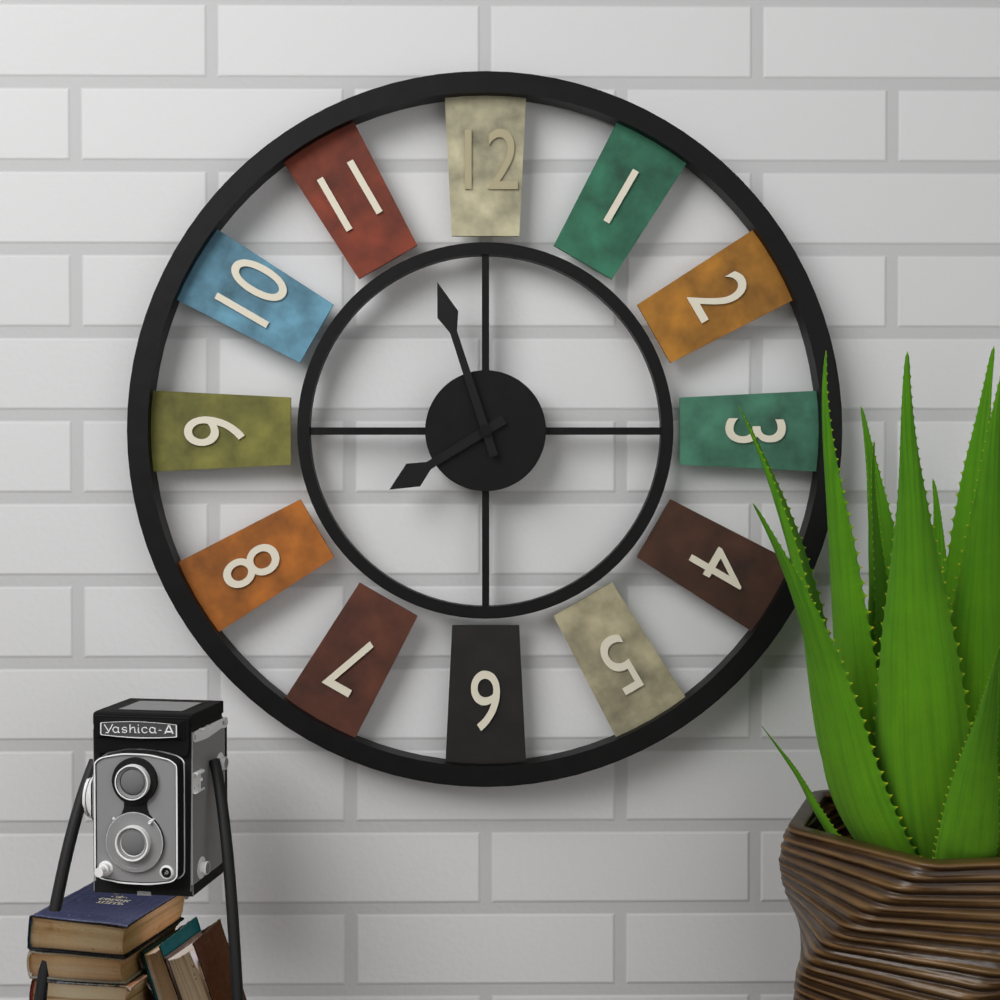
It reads 7,57
